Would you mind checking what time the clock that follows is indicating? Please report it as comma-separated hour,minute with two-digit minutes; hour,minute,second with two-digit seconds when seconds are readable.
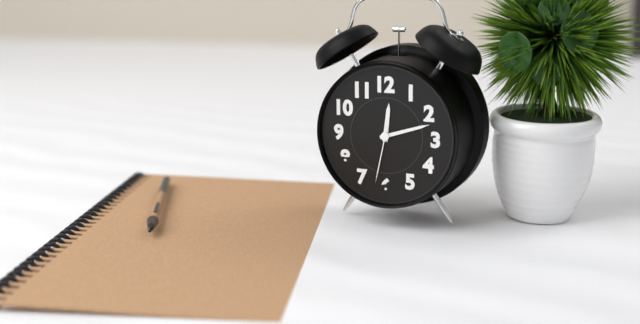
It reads 12,12,32
